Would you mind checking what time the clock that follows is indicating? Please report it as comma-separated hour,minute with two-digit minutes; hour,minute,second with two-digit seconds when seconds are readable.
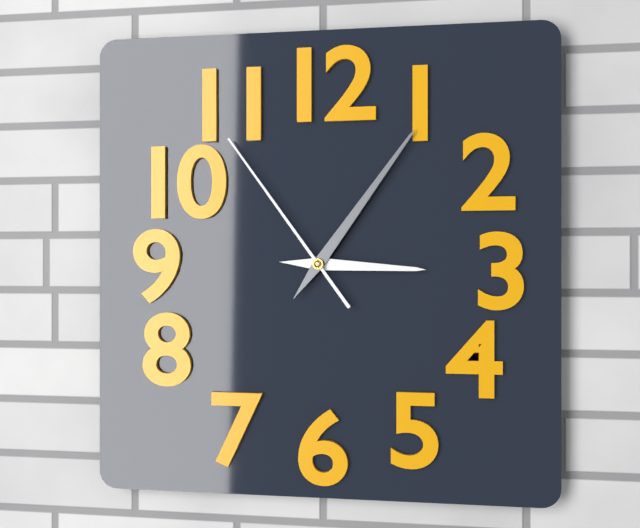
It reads 3,06,54
